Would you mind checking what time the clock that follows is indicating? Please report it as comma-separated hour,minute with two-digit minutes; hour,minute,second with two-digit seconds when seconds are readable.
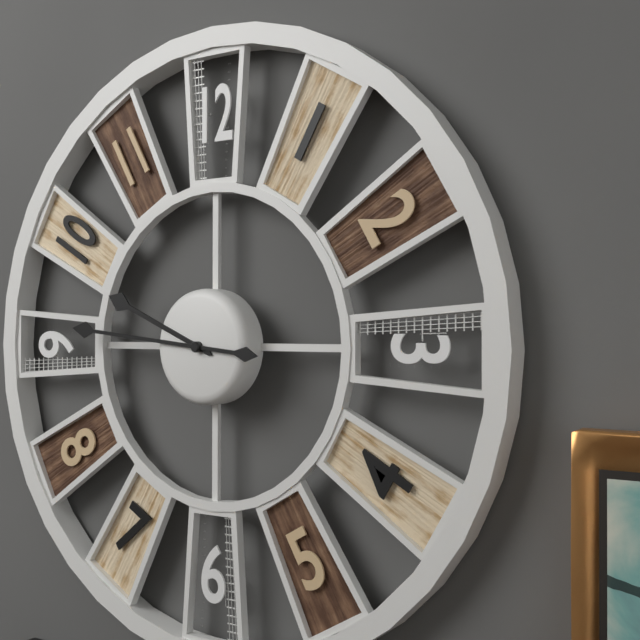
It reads 9,46
